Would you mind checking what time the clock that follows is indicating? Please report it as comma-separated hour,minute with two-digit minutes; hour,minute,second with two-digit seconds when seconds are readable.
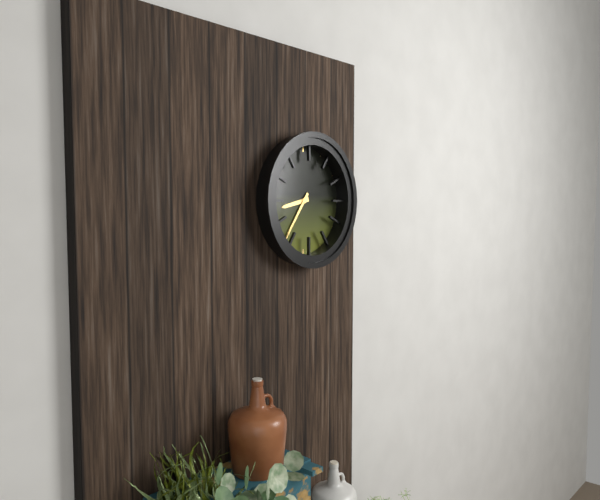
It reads 8,36
